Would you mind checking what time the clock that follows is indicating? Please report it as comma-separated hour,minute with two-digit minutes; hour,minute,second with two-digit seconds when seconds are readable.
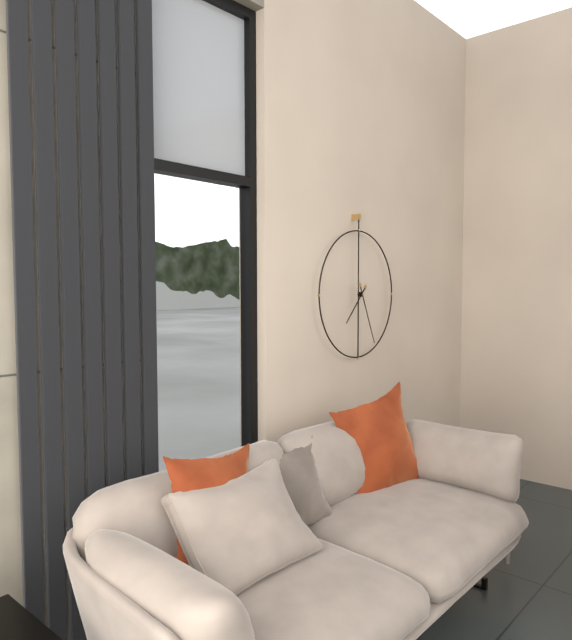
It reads 7,26
